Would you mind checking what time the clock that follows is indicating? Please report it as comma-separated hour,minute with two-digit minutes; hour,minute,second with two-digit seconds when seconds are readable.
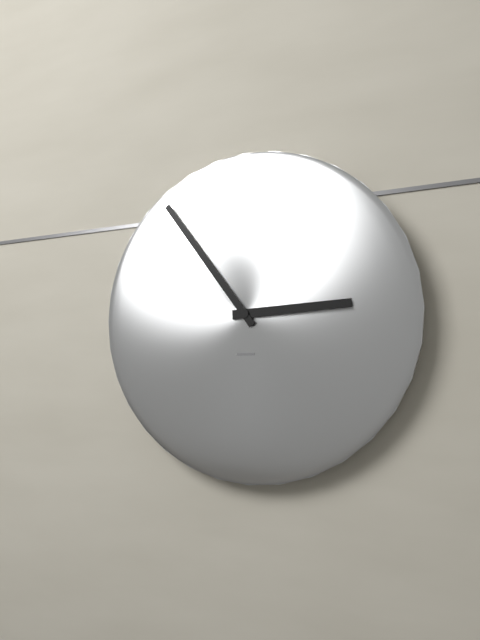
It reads 2,54
